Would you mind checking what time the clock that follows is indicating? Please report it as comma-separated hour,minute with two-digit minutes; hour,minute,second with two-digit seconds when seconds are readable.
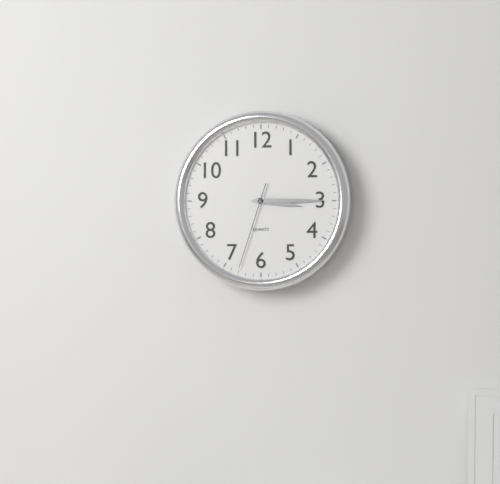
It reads 3,15,33
